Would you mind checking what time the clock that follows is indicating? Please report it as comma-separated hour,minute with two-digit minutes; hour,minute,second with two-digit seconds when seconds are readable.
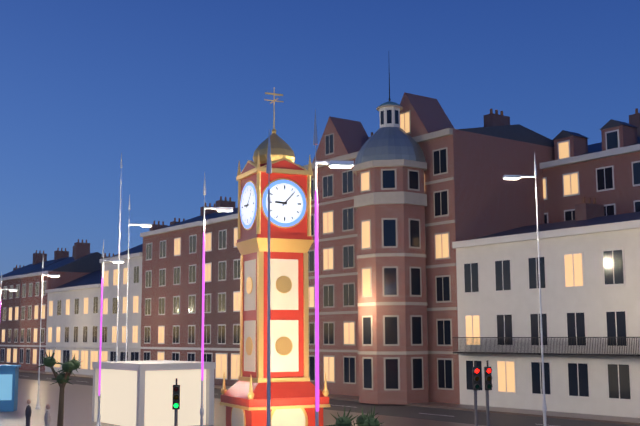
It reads 9,07
